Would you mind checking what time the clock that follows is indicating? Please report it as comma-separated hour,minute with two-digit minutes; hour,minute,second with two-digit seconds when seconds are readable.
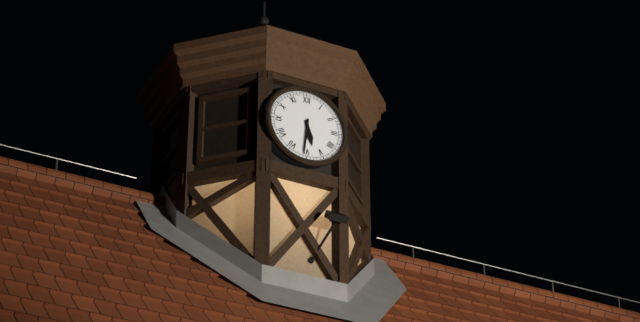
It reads 5,31
